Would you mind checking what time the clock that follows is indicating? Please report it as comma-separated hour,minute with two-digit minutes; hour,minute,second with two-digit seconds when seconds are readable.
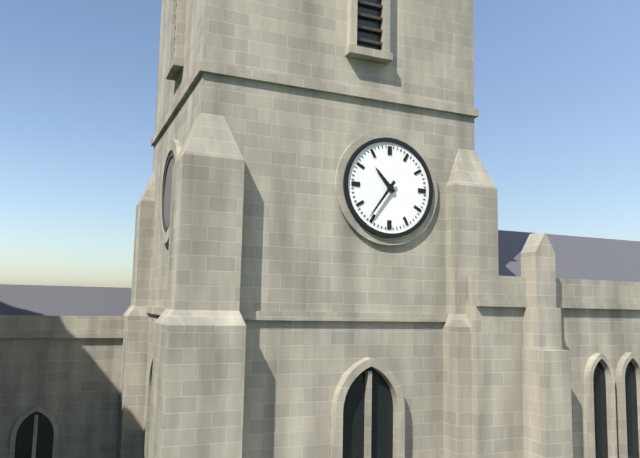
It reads 10,36
